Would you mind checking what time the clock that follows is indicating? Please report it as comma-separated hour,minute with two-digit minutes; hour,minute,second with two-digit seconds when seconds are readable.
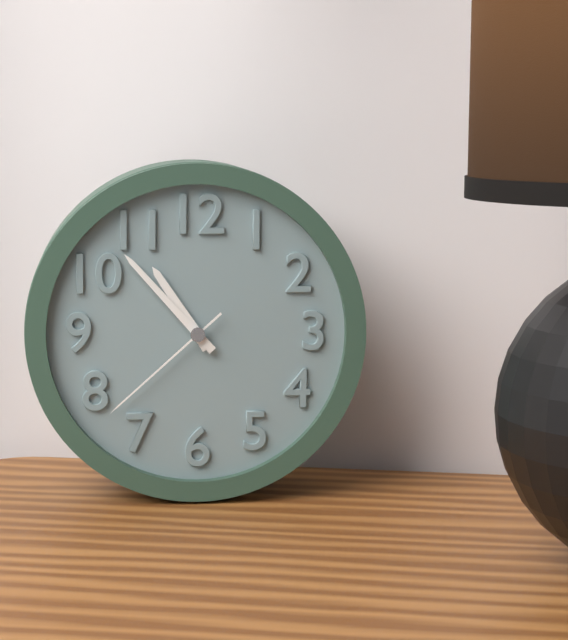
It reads 10,53,38
